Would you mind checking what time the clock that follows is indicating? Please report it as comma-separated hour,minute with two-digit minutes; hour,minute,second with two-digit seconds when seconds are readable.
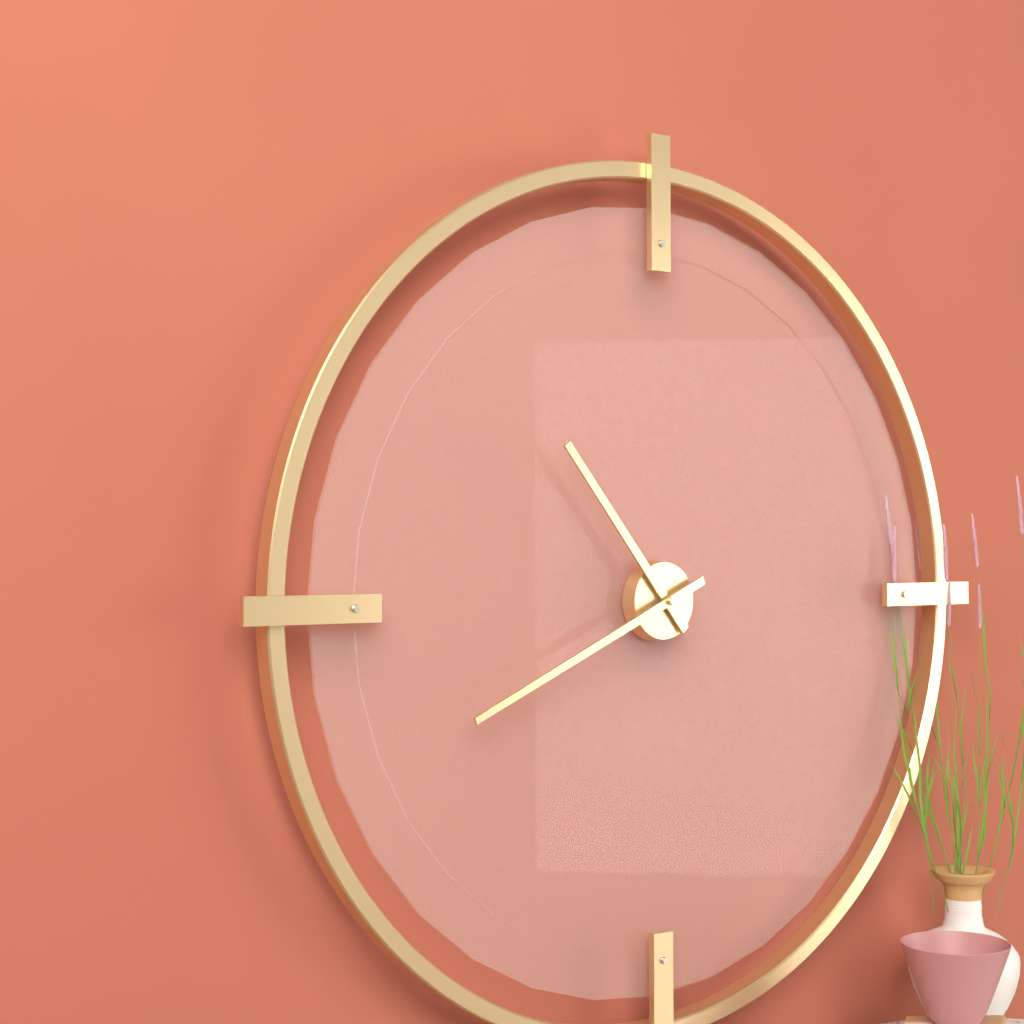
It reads 10,41
